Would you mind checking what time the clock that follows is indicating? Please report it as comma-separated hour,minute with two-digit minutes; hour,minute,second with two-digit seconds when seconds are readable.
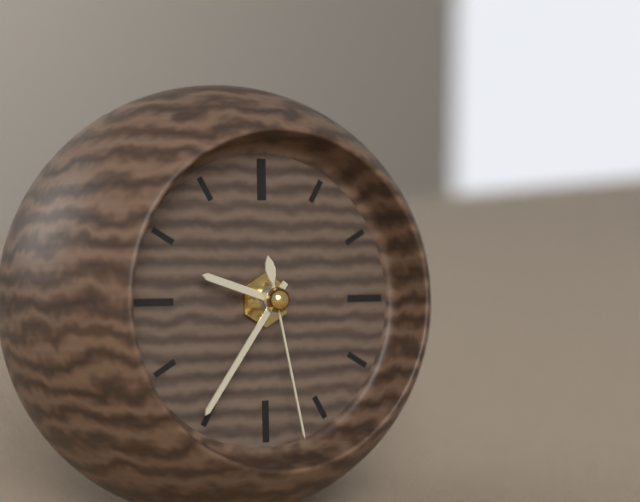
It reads 9,36,28
